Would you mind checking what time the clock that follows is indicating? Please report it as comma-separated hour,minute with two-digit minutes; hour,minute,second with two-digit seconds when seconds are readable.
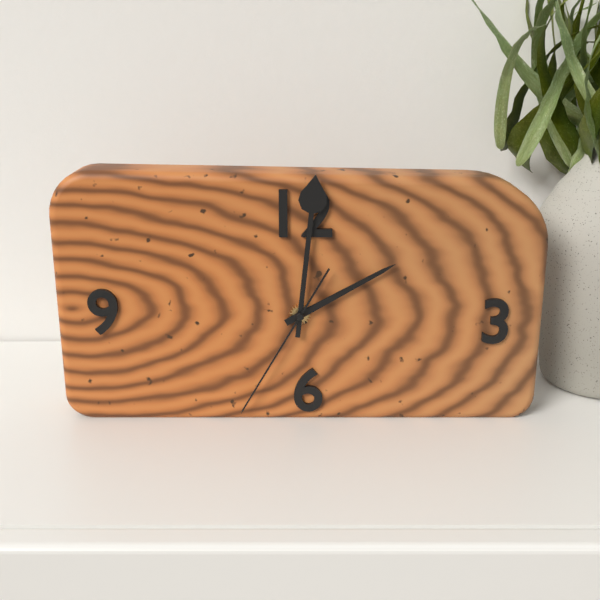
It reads 2,01,35
